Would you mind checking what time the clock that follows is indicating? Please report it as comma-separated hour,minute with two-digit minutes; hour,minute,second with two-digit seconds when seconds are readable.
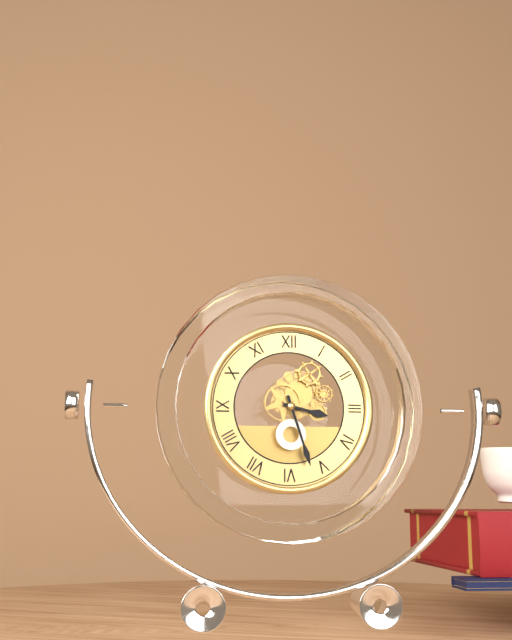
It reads 3,27
